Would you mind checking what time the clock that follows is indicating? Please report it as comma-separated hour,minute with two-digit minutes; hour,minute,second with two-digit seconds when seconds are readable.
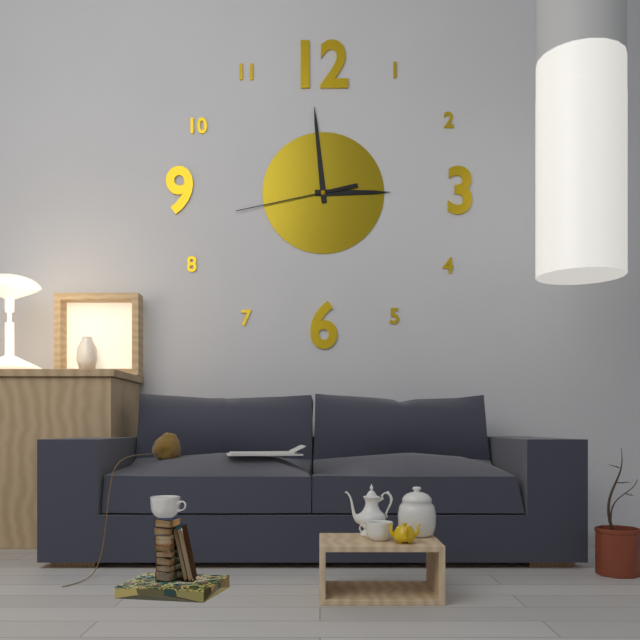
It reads 2,59,43
